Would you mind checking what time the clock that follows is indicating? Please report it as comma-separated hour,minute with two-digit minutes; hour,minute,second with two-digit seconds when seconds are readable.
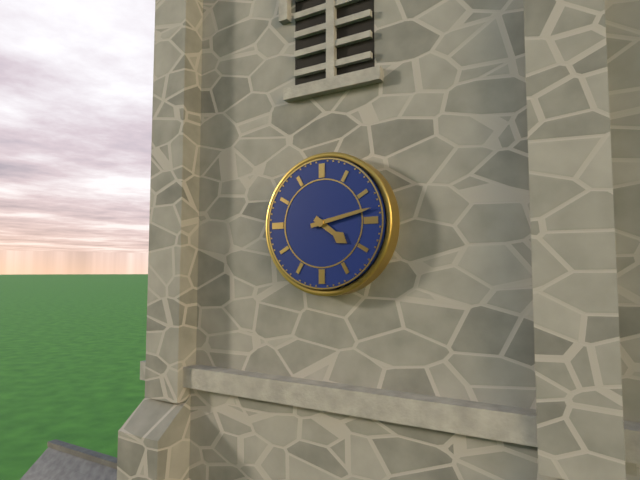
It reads 4,13
